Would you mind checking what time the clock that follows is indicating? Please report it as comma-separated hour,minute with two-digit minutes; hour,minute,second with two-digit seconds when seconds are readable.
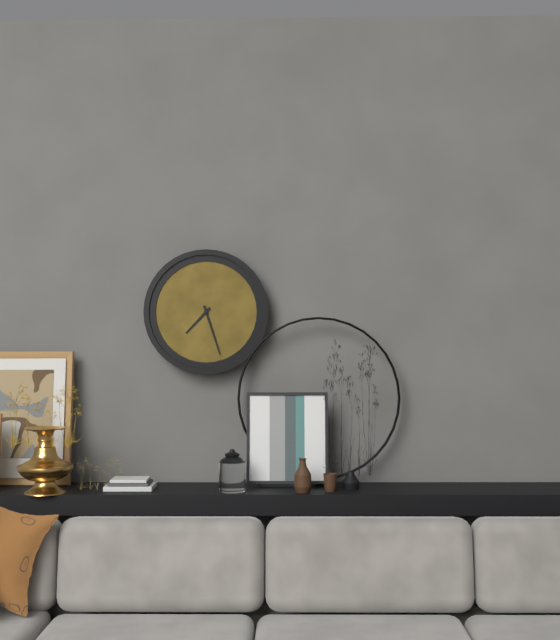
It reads 7,27
